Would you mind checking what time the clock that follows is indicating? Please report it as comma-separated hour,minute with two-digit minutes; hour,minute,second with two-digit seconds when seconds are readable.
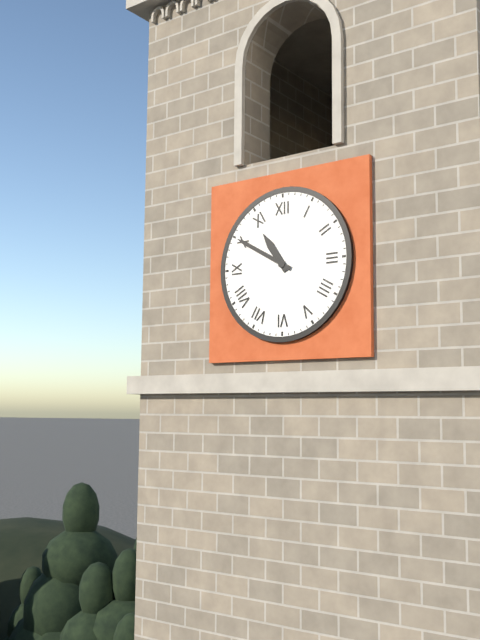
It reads 10,50
